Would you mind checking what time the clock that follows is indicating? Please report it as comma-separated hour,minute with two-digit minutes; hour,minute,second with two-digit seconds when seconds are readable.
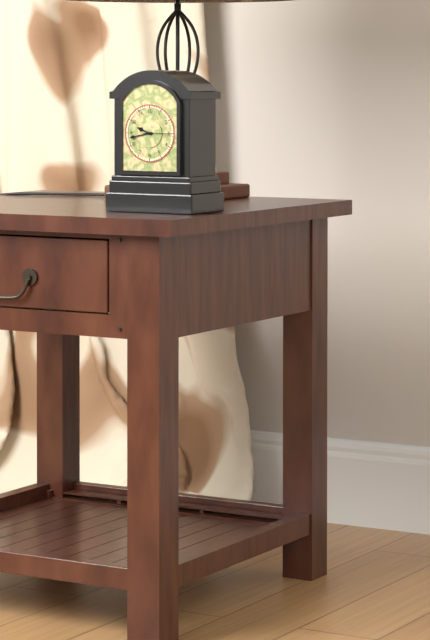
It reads 9,43
